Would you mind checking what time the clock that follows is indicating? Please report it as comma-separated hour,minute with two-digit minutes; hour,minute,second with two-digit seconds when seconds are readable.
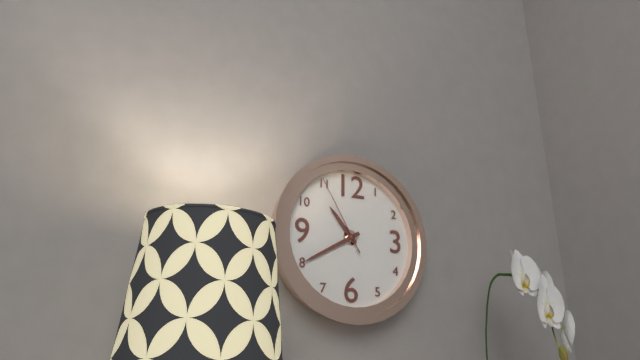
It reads 10,40,55
